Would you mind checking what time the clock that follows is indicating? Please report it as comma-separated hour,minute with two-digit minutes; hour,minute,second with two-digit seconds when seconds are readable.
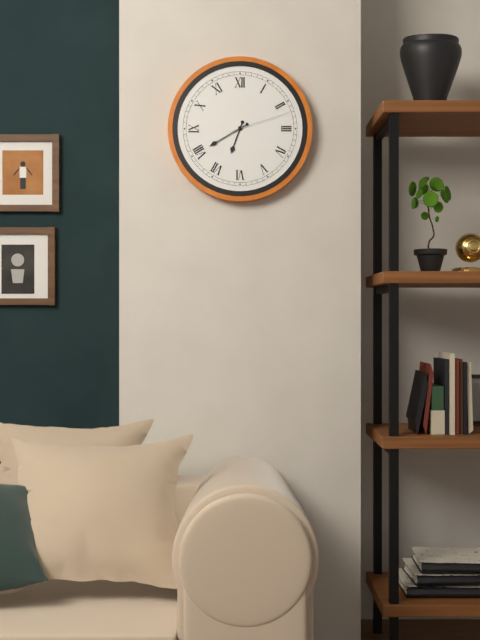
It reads 6,40,12
